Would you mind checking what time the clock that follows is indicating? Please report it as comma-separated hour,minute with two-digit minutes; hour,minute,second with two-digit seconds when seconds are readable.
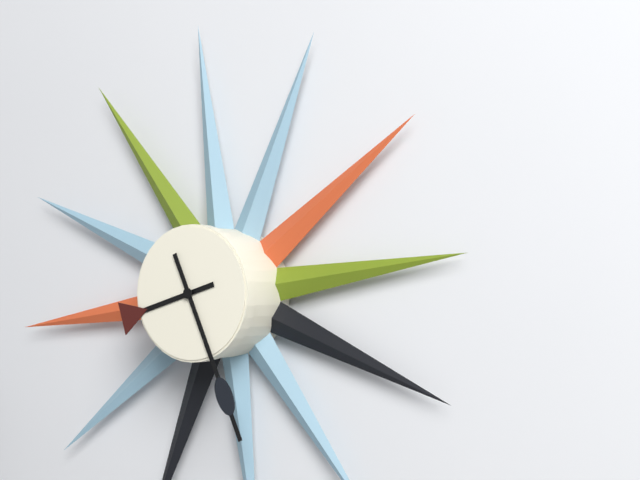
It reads 8,26
